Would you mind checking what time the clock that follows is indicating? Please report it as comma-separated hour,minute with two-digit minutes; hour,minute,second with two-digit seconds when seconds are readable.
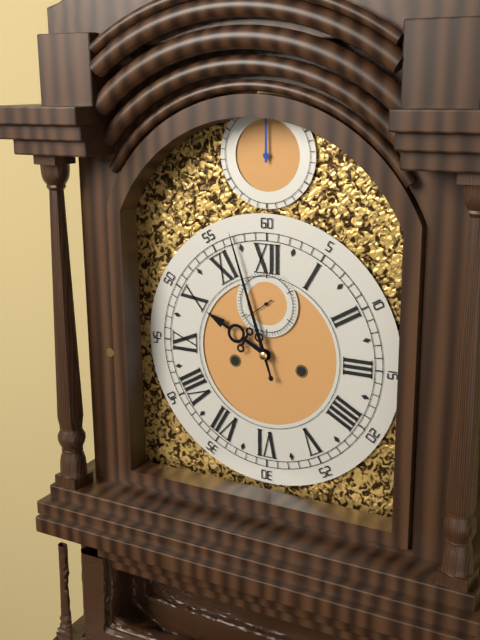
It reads 9,57
